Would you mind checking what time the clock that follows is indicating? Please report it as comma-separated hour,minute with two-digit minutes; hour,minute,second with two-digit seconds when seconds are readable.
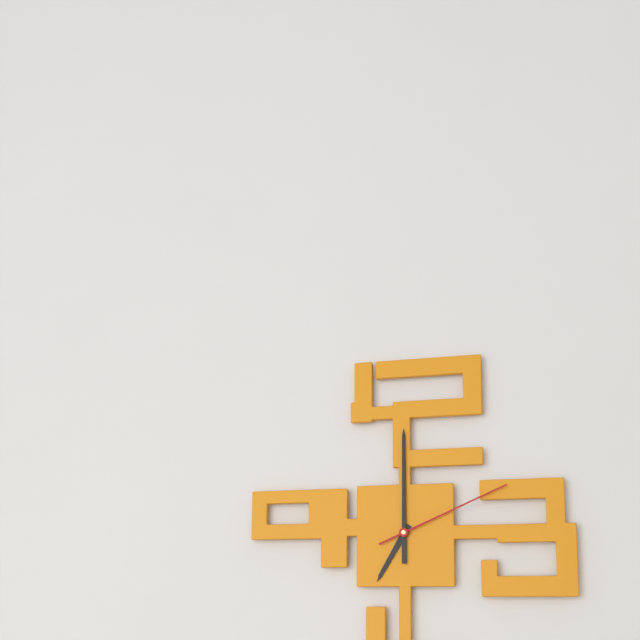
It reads 7,00,11
